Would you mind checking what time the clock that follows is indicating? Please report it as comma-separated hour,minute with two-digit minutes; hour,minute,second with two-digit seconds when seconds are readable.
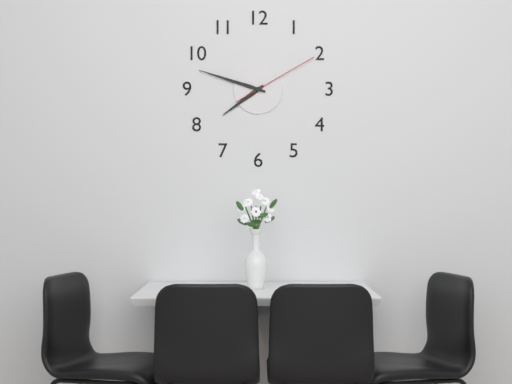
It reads 7,48,10
